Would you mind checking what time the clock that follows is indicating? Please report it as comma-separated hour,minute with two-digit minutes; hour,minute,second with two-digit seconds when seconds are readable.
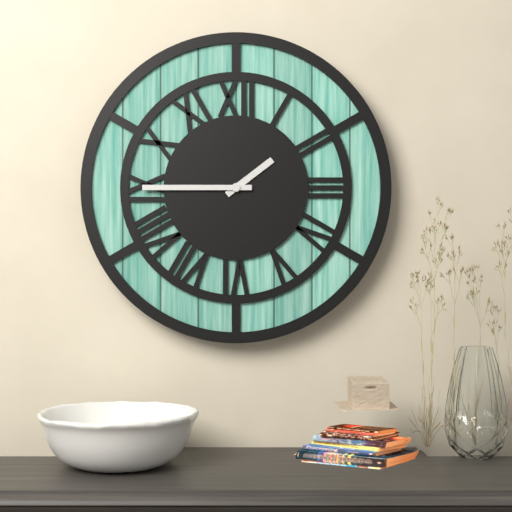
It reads 1,45
